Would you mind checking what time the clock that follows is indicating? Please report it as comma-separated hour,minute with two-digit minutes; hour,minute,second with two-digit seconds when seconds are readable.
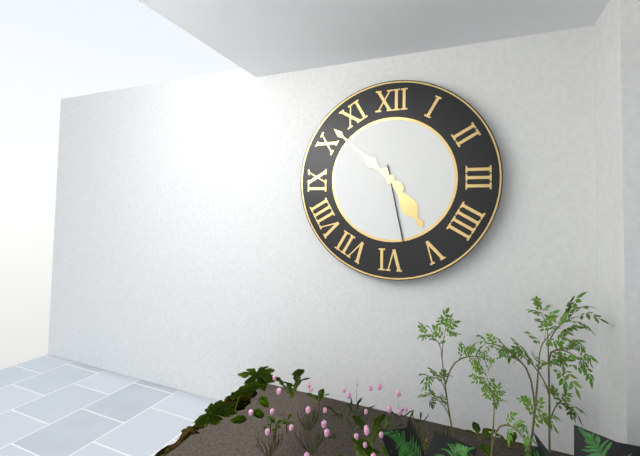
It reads 4,52,28
